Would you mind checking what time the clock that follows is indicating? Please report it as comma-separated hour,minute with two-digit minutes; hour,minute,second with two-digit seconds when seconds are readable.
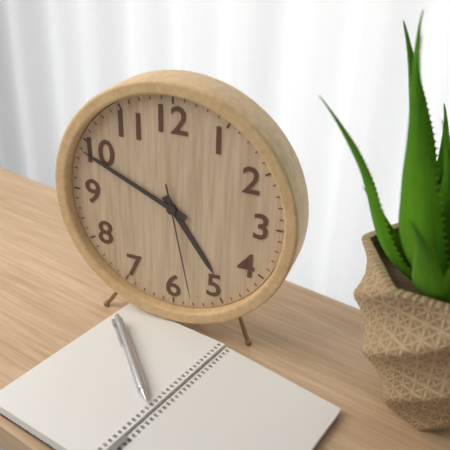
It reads 4,49,28
